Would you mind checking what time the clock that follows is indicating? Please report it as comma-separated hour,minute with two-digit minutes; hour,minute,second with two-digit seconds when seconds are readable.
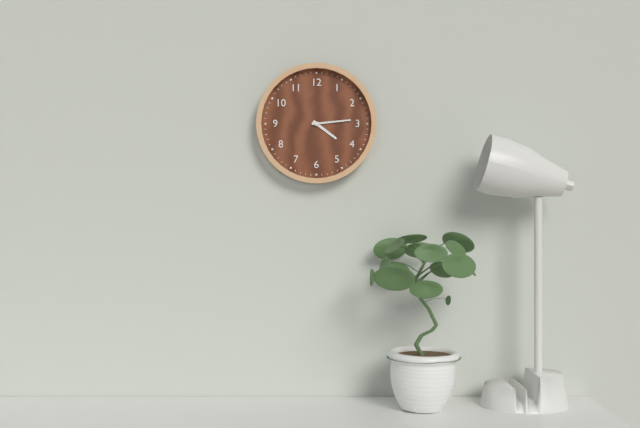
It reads 4,14
